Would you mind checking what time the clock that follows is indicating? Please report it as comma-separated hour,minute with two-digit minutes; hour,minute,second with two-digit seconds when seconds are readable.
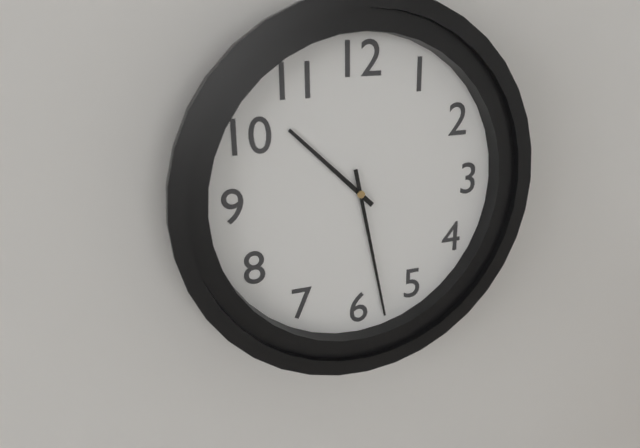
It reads 10,28
